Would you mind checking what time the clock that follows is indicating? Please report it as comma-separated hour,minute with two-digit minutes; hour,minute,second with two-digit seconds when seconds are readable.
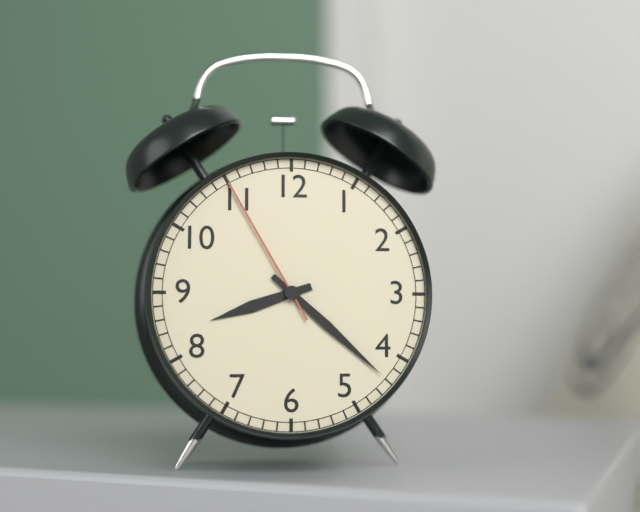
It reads 8,22,55
